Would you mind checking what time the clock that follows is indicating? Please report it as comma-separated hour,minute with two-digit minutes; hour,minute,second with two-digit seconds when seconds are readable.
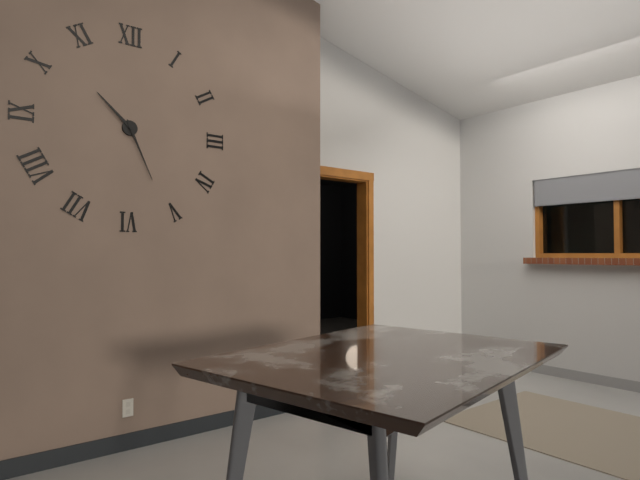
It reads 10,26
